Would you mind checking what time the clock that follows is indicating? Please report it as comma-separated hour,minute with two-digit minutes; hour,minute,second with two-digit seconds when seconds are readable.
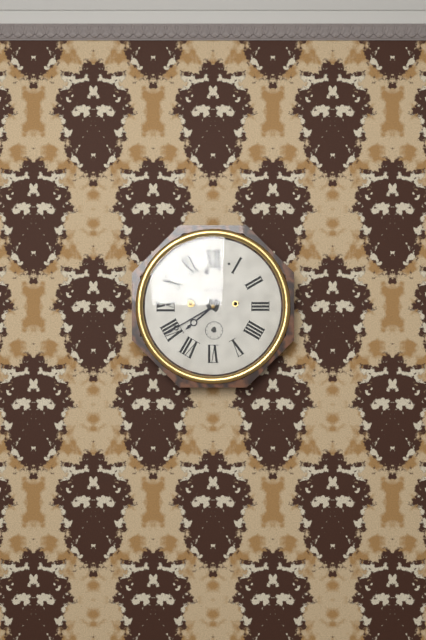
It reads 7,40
